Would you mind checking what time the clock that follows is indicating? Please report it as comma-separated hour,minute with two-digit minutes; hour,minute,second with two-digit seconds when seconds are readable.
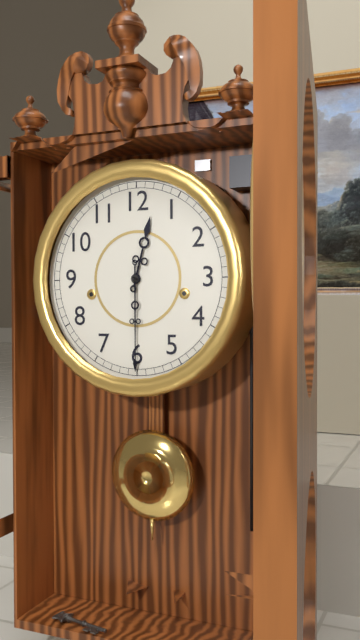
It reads 12,30
